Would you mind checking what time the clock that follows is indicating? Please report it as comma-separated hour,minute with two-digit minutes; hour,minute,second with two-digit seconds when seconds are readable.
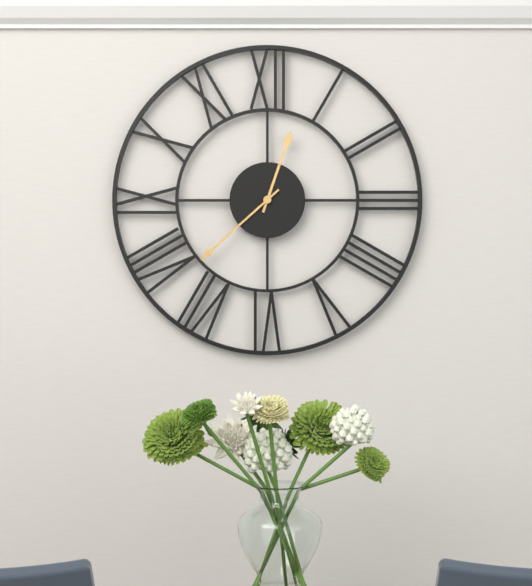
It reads 12,38
